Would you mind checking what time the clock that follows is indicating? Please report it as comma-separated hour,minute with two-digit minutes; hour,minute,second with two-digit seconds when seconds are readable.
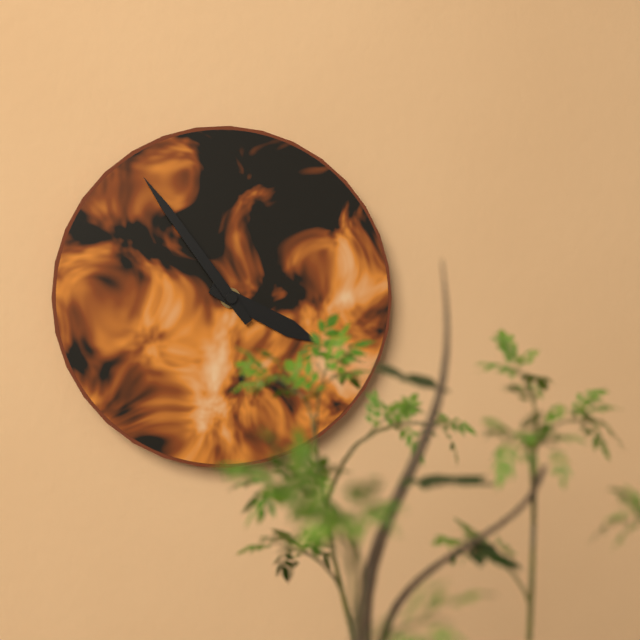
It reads 3,54
